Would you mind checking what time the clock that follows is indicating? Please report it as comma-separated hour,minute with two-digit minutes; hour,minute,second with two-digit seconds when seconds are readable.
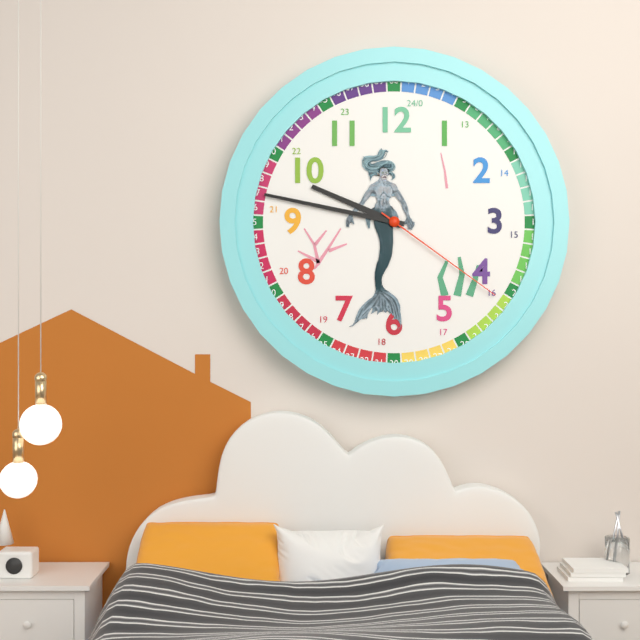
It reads 9,47,21
